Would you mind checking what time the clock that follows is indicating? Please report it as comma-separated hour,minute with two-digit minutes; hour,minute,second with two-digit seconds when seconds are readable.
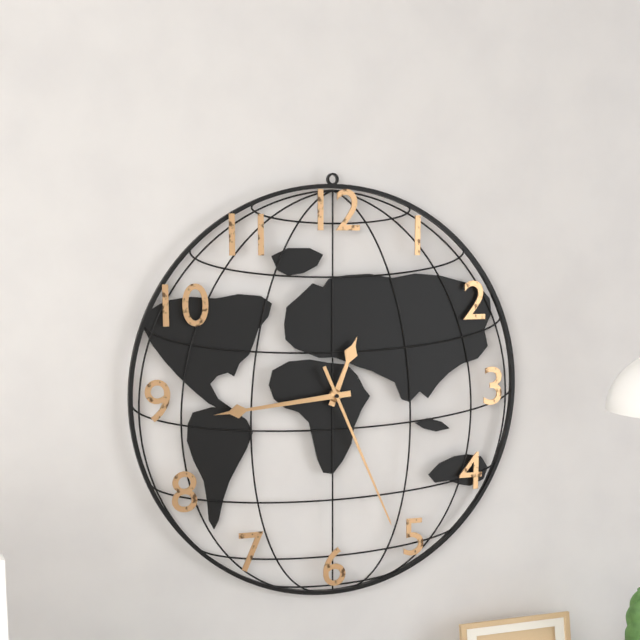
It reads 12,44,26
